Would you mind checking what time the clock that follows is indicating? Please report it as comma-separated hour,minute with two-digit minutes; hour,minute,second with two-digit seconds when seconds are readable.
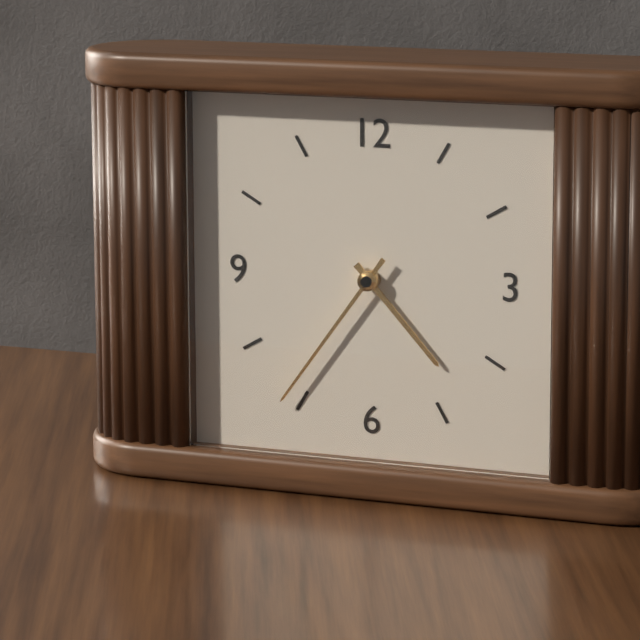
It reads 4,36
